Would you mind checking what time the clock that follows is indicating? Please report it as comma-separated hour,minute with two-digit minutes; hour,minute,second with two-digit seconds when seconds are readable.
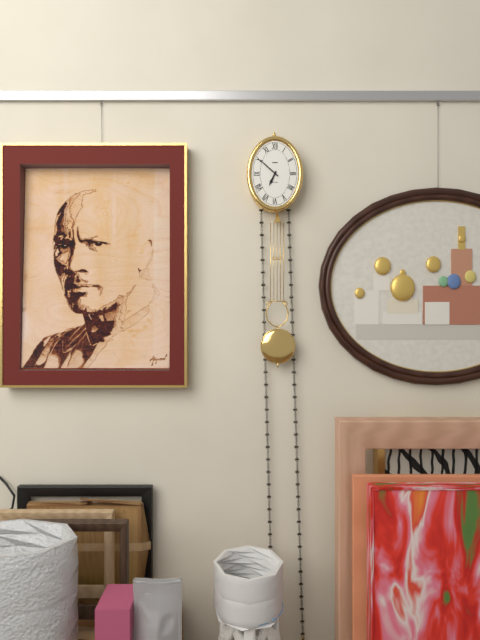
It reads 6,52
